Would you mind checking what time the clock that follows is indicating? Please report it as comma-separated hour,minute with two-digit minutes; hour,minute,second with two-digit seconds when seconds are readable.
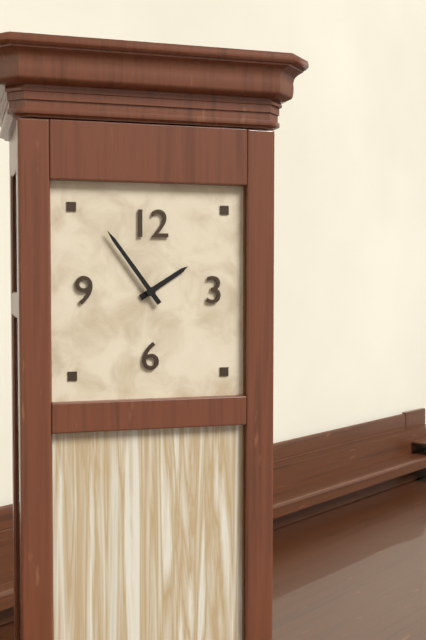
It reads 1,54
